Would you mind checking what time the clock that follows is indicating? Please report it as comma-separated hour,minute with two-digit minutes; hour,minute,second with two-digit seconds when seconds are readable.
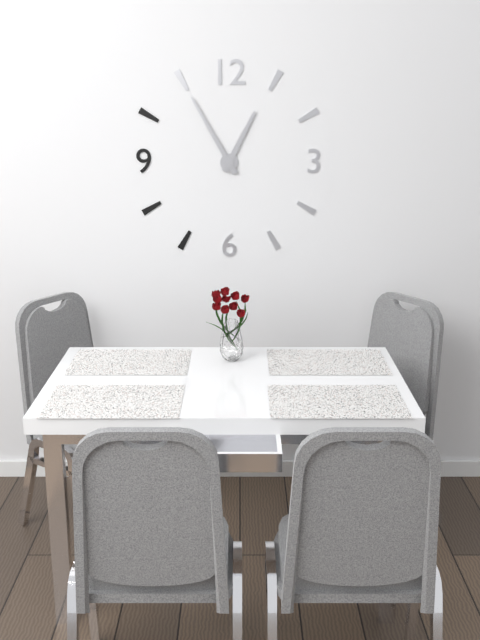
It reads 12,55
